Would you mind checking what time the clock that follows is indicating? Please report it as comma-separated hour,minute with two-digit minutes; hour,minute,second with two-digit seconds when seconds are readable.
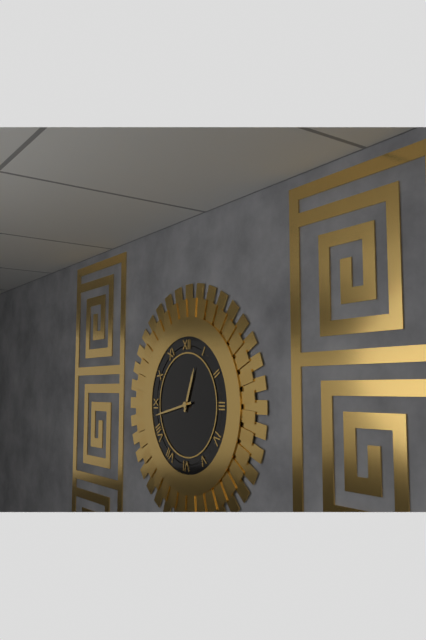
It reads 12,43
